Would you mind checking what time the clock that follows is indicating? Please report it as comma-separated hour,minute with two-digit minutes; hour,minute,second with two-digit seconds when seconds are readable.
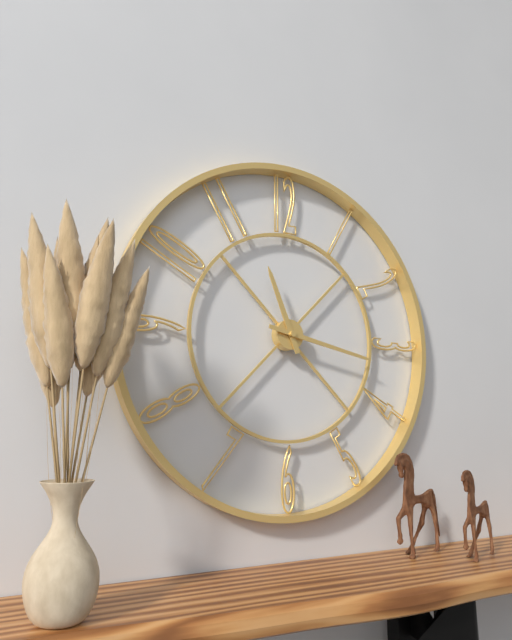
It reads 11,17
